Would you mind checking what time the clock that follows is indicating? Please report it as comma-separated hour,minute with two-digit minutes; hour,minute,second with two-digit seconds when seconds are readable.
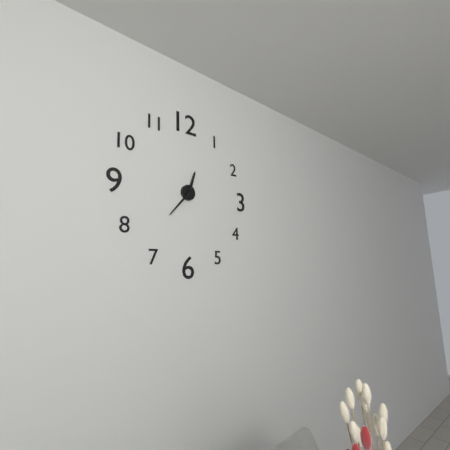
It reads 12,37
